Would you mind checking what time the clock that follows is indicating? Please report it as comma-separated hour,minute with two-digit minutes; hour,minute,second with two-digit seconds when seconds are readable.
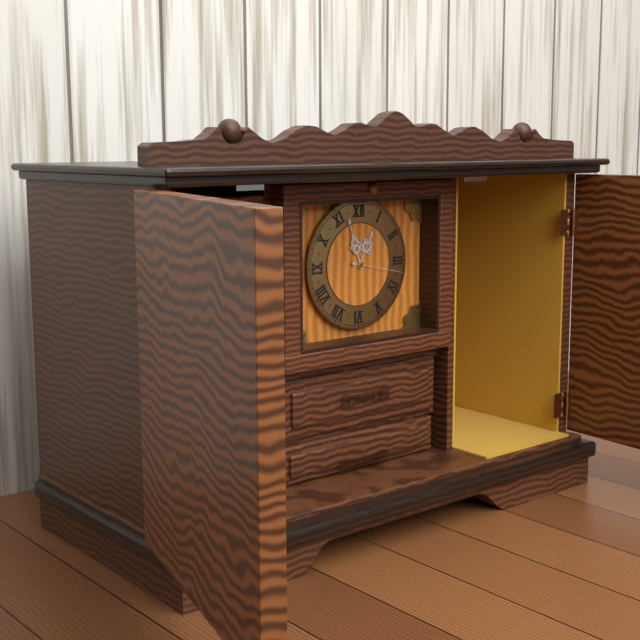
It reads 12,57,17
